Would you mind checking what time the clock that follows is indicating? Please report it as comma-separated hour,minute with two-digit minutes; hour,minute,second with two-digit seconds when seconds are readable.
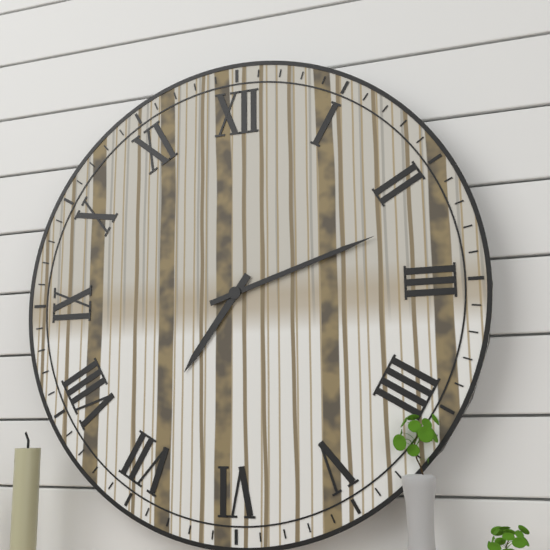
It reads 7,12
